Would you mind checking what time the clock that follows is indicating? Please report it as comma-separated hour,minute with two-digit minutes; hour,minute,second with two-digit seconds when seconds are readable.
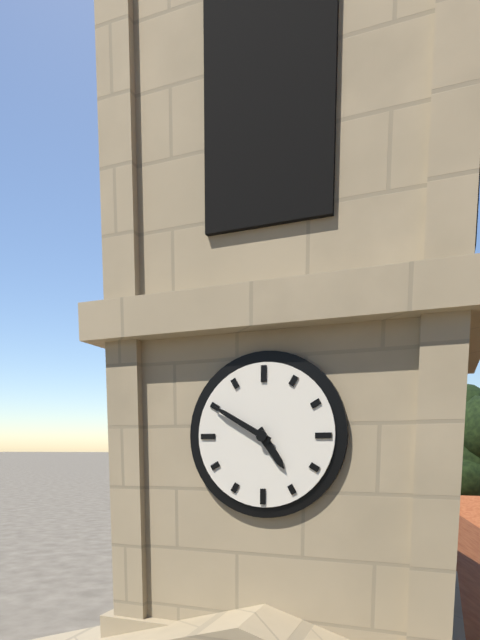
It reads 4,50
